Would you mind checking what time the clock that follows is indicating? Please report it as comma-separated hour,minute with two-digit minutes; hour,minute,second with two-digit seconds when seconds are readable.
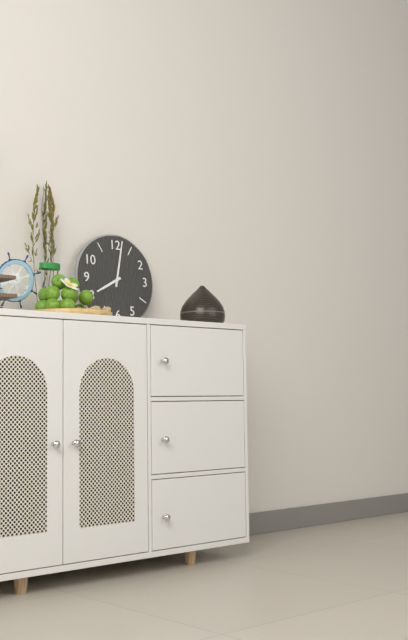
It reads 8,02
